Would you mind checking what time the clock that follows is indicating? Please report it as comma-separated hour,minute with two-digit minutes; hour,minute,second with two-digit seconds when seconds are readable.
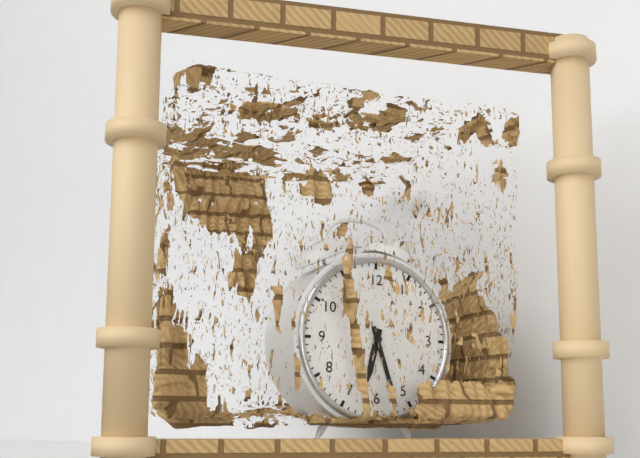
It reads 6,27
